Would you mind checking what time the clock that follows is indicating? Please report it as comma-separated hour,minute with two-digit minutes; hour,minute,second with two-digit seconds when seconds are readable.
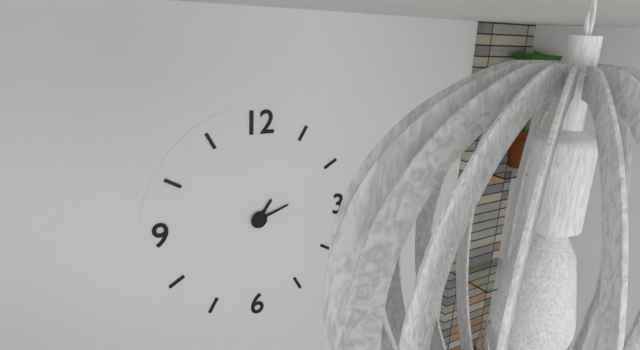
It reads 1,12
